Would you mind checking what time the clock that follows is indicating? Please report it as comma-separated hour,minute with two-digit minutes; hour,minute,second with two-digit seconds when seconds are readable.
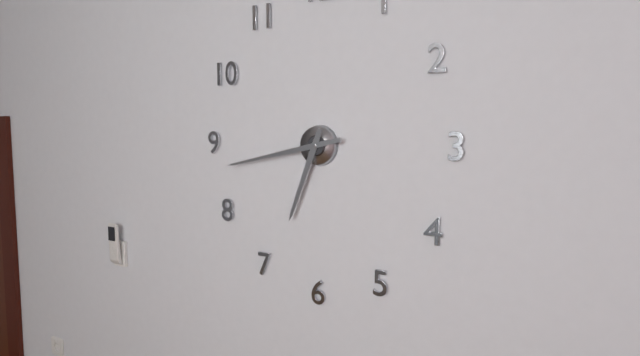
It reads 6,43
